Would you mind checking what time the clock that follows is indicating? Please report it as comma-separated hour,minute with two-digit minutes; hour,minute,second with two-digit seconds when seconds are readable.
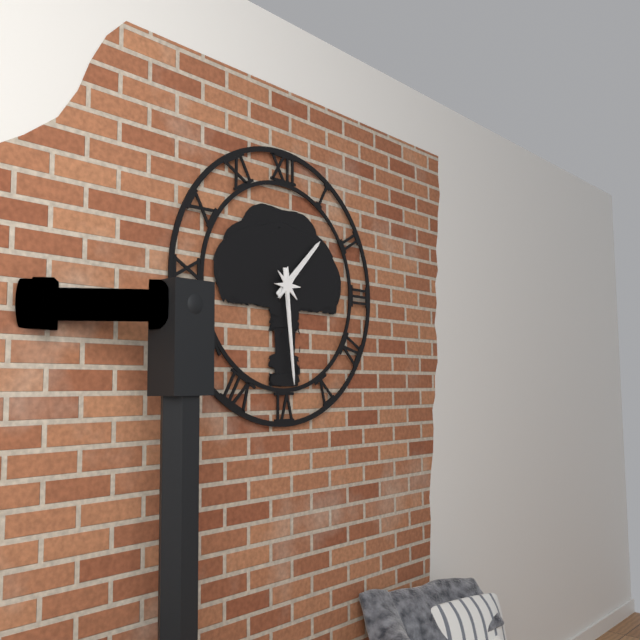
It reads 1,29
